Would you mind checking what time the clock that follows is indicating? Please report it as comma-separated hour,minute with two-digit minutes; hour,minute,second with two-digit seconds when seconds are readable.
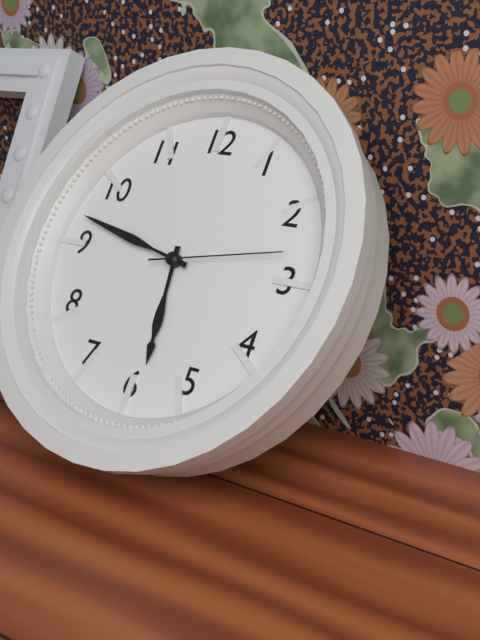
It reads 5,47,13
